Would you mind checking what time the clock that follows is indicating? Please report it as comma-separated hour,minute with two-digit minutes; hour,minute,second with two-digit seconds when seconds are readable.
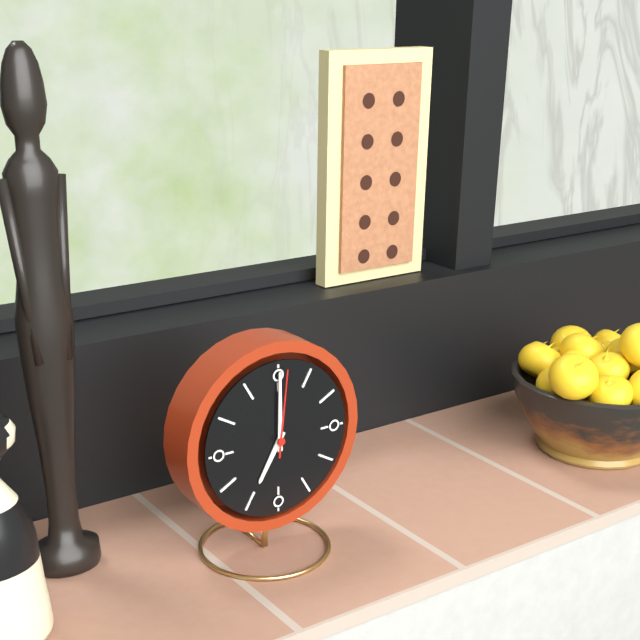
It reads 7,00,01
